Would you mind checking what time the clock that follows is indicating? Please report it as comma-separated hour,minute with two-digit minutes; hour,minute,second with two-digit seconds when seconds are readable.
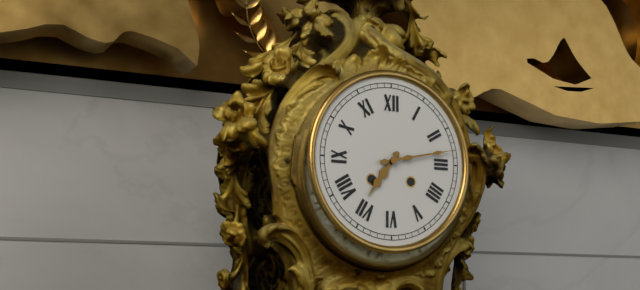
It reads 7,13
